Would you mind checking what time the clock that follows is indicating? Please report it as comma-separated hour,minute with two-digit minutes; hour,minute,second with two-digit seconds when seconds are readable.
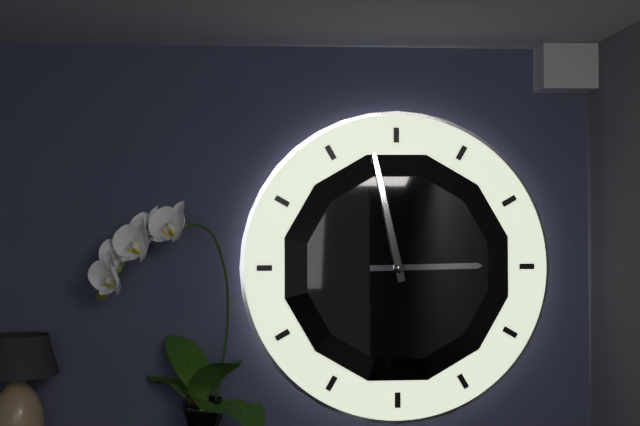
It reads 2,58
